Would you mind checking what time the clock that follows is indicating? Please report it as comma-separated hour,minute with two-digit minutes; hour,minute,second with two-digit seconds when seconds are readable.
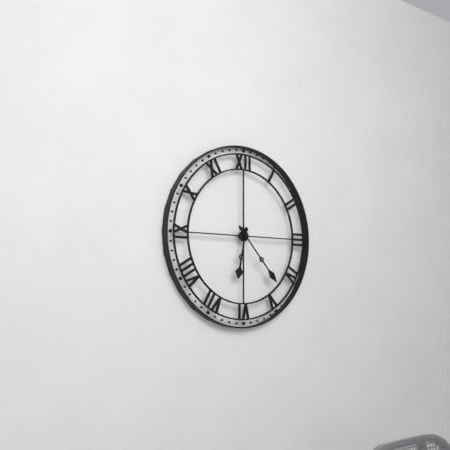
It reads 6,23
